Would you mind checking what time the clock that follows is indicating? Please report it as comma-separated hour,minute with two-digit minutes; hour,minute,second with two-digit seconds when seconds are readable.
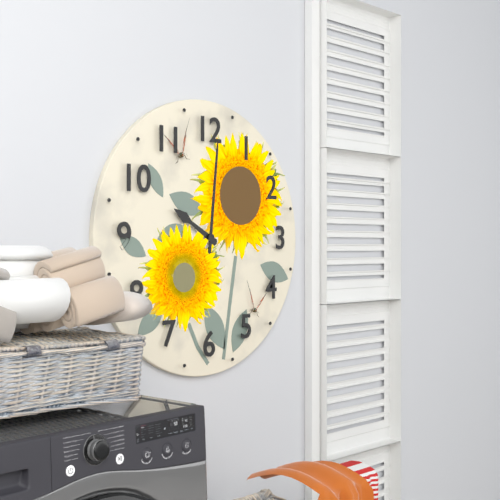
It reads 10,01
